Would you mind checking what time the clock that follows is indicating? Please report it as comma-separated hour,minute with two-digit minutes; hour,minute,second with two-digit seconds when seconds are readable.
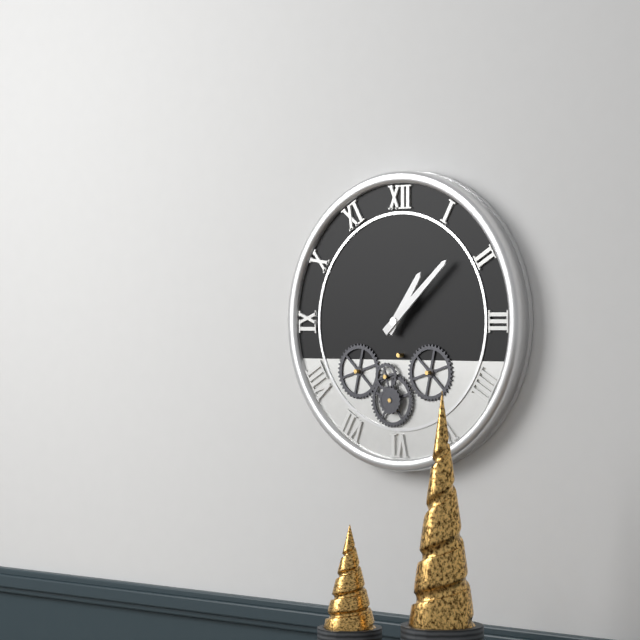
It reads 1,08
